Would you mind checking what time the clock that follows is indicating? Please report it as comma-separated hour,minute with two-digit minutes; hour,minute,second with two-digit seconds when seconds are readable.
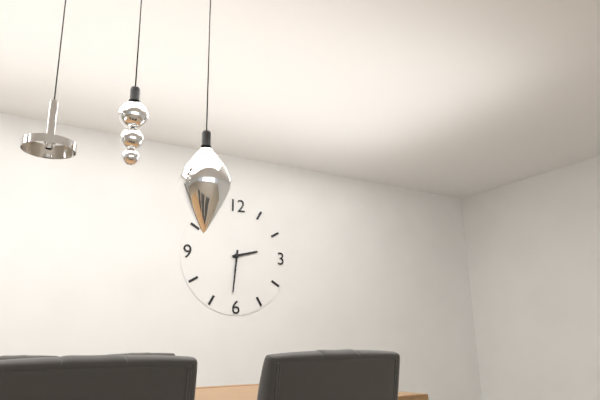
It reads 2,31
